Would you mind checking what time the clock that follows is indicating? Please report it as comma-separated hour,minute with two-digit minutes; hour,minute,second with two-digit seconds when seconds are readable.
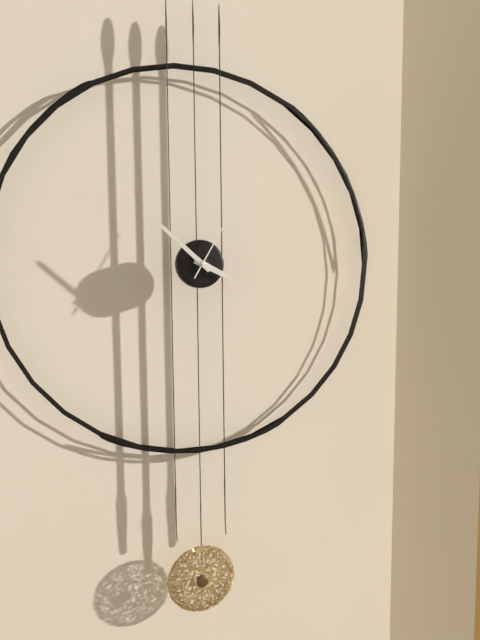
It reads 3,52,05
